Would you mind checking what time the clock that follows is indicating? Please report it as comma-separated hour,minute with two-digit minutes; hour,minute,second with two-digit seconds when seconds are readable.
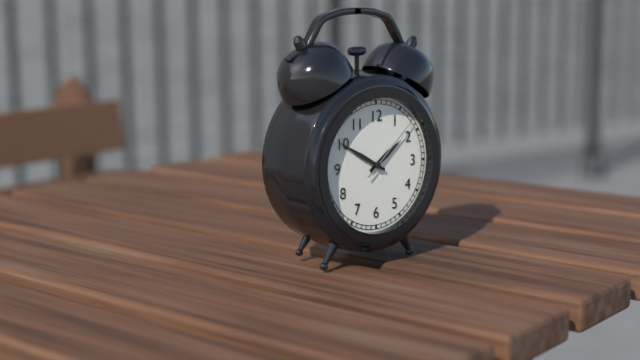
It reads 1,50,08
